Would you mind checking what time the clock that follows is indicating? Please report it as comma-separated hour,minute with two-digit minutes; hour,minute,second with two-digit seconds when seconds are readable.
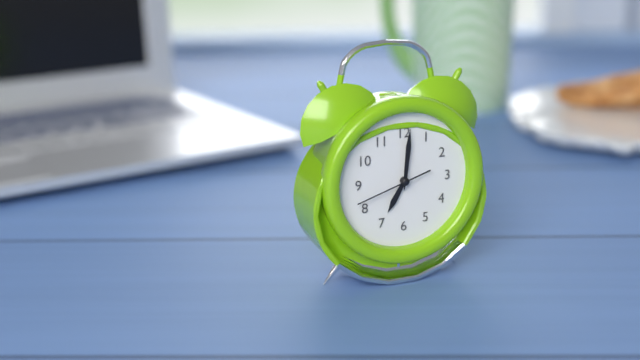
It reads 7,01,42
